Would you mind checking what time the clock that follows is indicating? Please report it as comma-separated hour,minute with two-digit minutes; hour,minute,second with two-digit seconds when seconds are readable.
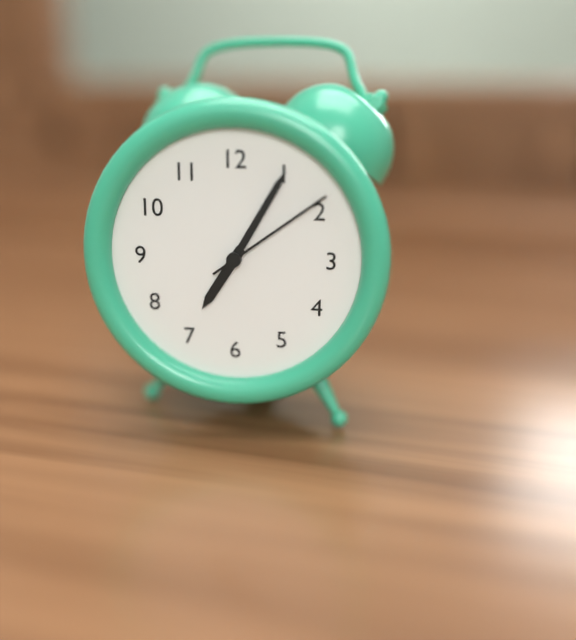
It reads 7,05,09
